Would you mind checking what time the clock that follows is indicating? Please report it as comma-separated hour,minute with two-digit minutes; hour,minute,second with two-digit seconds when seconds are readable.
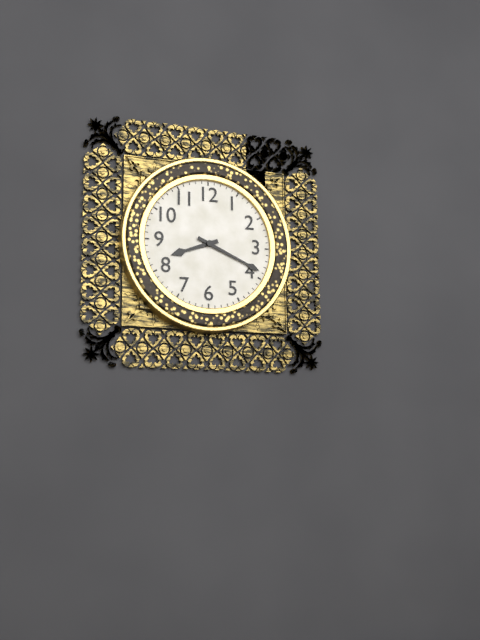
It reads 8,19
